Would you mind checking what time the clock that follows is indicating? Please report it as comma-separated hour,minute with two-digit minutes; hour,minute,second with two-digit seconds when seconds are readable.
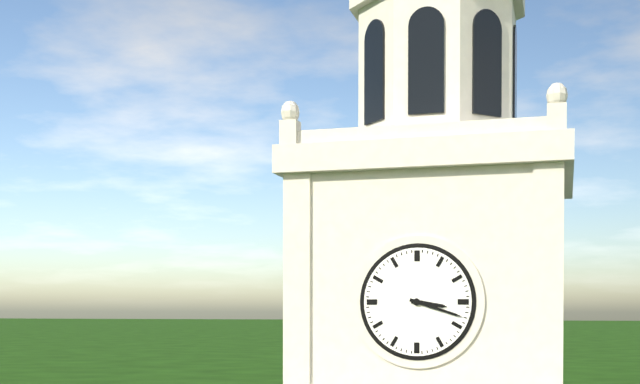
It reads 3,18
